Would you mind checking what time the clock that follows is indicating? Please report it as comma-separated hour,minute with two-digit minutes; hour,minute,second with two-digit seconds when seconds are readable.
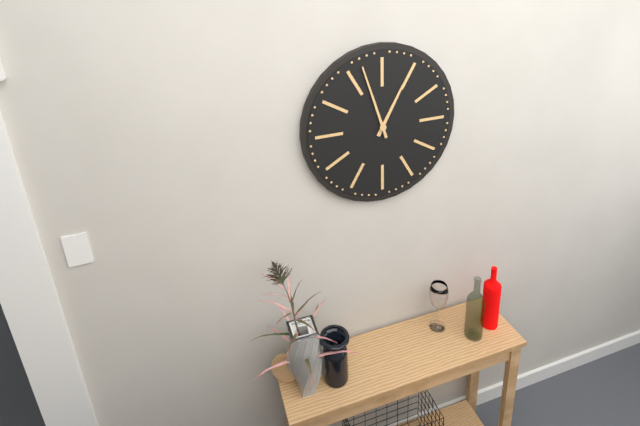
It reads 12,57
